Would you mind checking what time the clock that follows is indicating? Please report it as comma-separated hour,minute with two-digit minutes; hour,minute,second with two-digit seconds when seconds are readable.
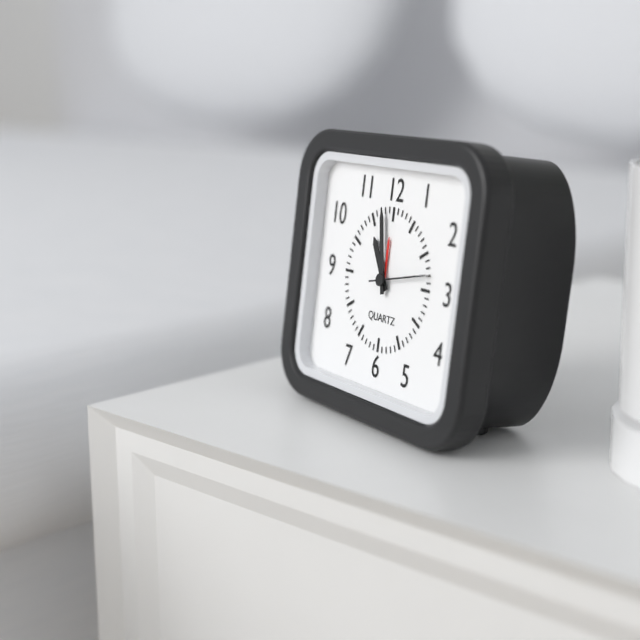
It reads 10,58,13
